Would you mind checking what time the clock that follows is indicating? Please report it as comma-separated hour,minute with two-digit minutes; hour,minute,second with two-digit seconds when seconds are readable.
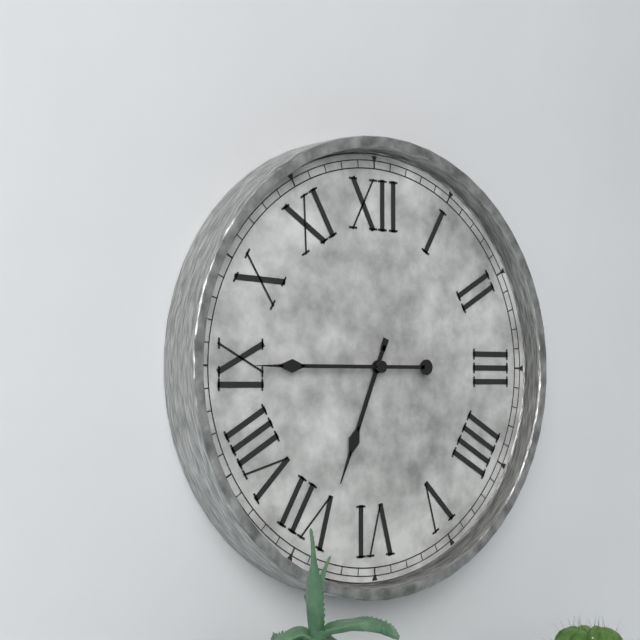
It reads 6,45
